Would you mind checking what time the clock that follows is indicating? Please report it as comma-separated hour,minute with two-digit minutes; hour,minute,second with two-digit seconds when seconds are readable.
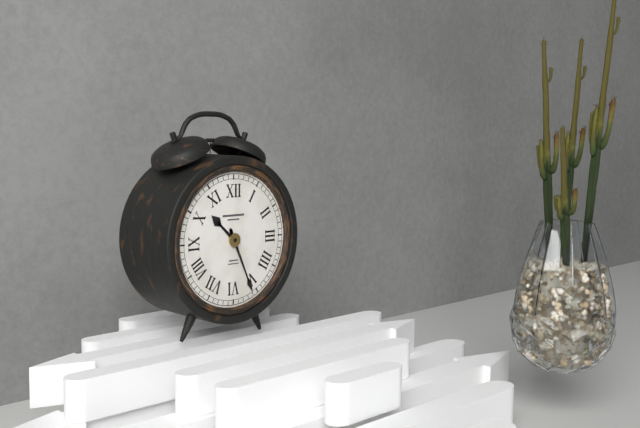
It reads 10,26
